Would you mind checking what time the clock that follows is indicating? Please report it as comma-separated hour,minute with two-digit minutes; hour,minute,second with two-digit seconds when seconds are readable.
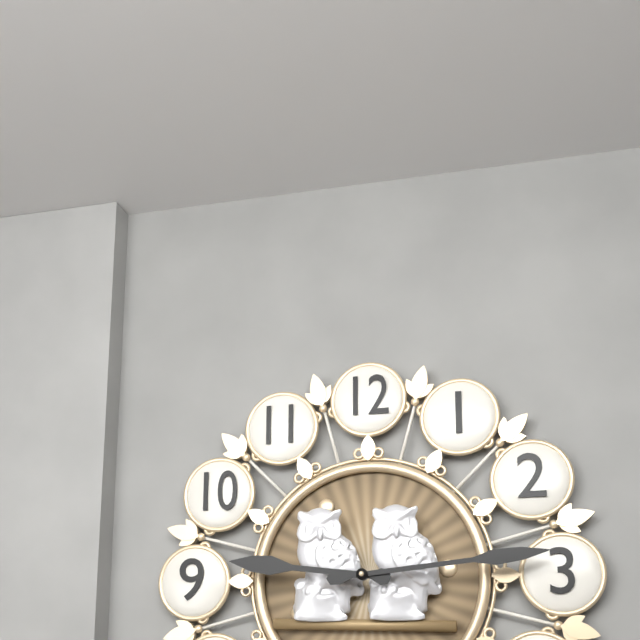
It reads 9,14
